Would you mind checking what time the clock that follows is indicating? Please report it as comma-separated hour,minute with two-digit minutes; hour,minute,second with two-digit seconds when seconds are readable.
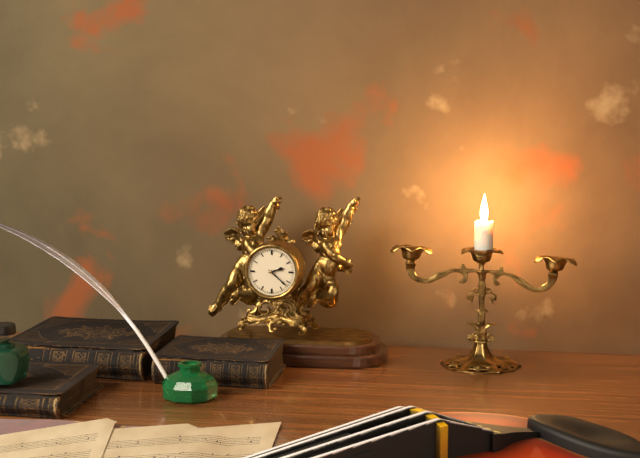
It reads 2,22
